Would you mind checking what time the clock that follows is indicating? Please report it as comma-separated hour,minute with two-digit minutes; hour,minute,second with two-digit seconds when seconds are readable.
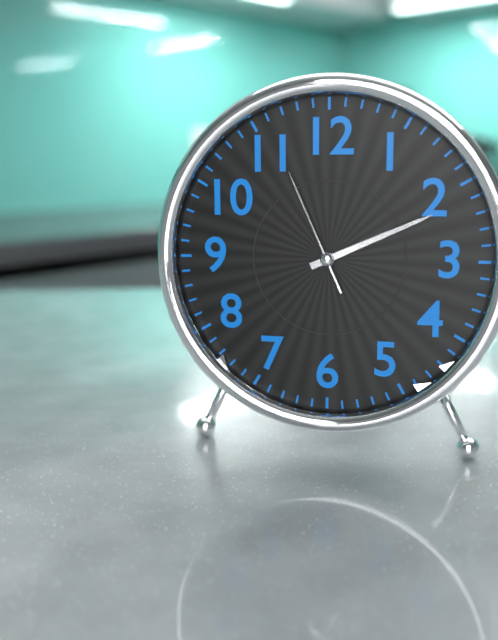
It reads 2,11,56
